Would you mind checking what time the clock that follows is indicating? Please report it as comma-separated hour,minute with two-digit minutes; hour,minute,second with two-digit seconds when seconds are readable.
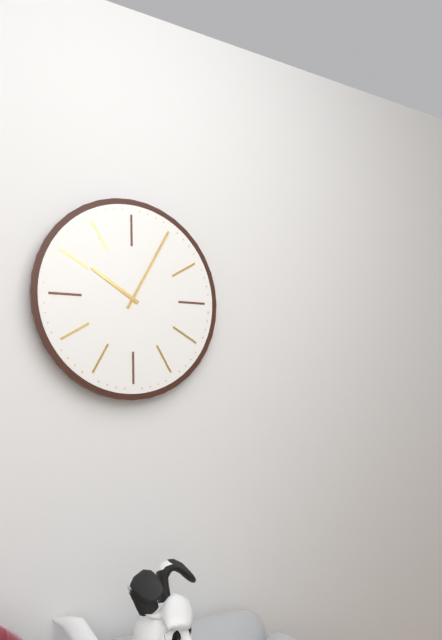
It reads 10,05
